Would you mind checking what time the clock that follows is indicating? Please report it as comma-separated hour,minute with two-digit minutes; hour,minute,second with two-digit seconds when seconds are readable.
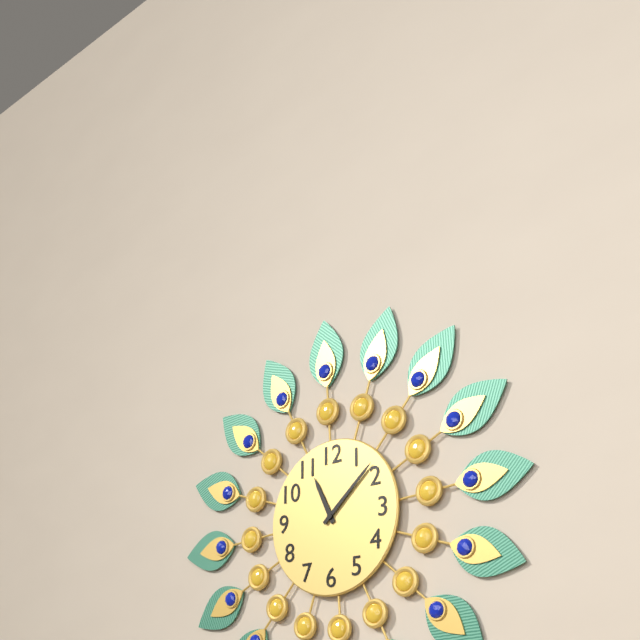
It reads 11,08
